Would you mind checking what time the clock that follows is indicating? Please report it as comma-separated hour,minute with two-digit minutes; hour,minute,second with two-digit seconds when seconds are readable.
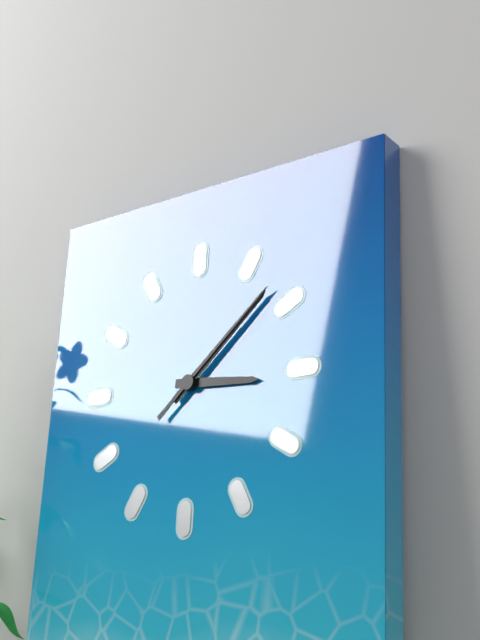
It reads 3,08,08
